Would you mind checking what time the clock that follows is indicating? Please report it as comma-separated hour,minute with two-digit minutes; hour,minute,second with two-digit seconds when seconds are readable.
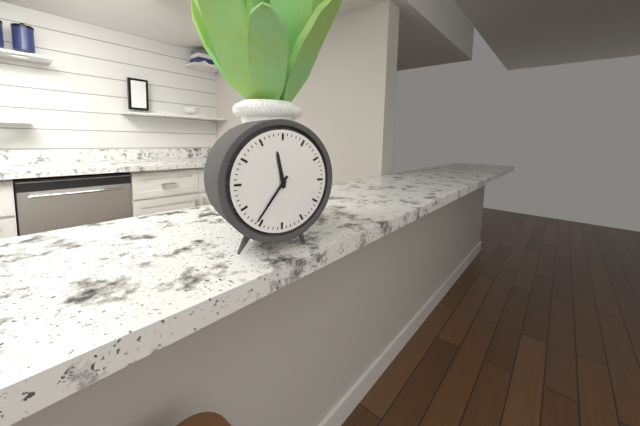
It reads 11,36
